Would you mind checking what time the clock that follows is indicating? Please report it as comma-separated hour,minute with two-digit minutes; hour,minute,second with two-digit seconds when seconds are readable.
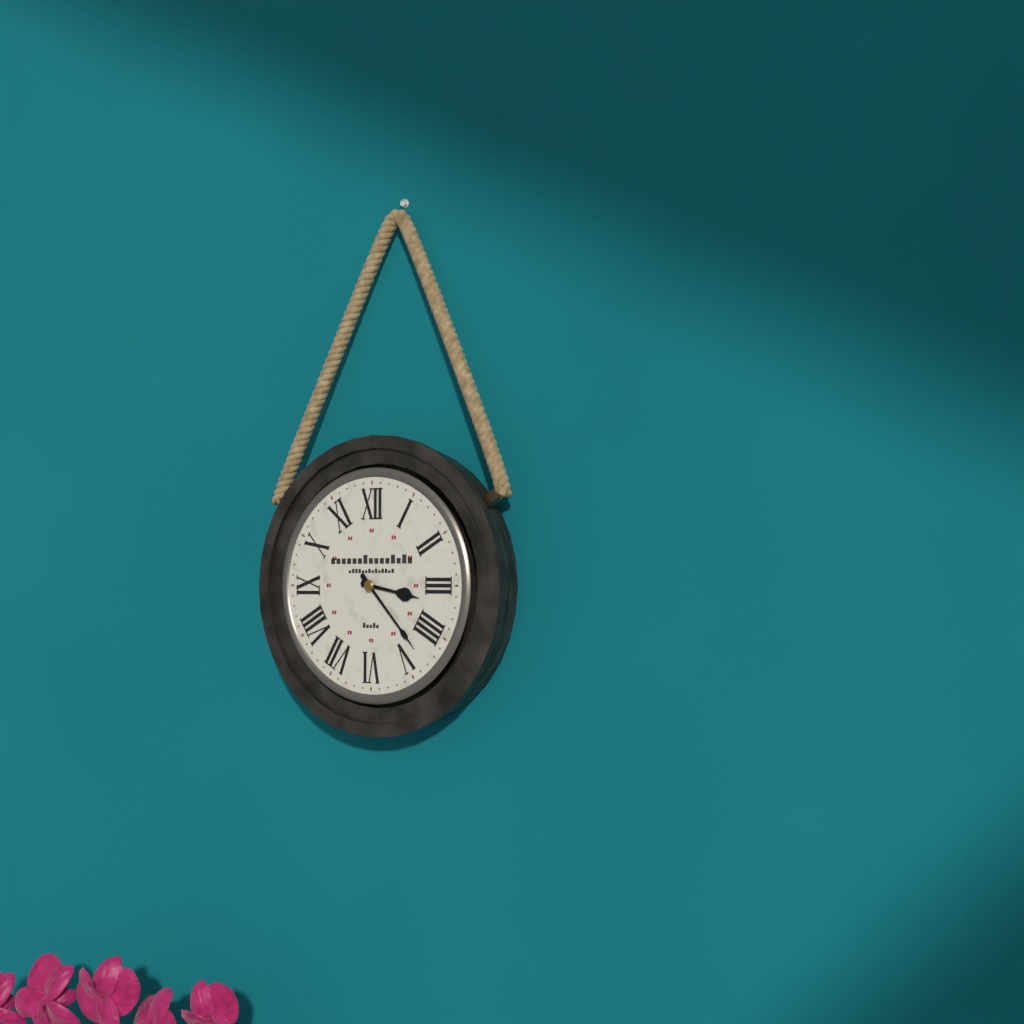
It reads 3,23
